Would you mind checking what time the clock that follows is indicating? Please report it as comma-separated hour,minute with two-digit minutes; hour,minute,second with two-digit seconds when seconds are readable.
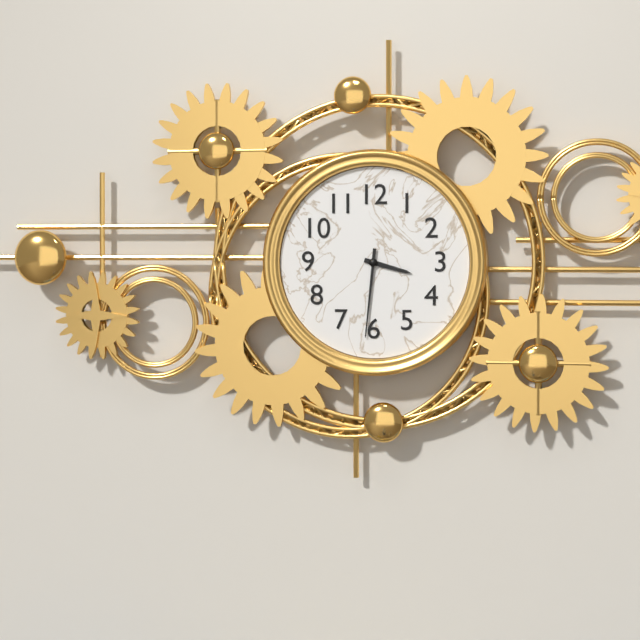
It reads 3,31
